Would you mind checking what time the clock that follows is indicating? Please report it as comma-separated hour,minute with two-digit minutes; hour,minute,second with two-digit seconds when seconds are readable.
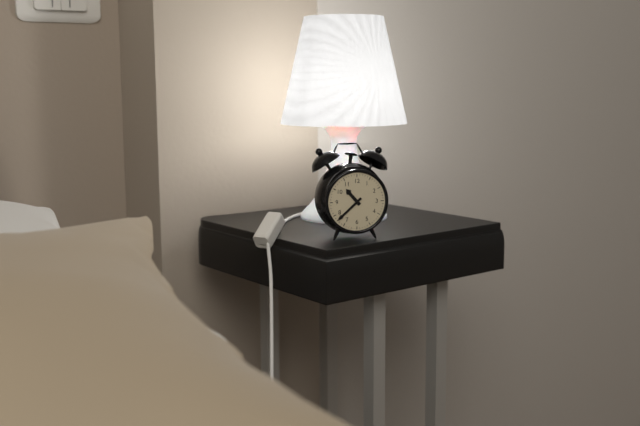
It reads 10,38
